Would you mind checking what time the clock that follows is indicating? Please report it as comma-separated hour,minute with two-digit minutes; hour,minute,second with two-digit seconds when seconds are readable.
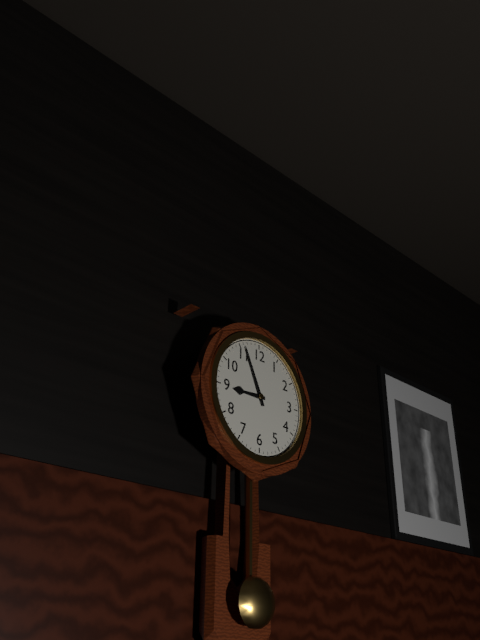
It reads 8,56
